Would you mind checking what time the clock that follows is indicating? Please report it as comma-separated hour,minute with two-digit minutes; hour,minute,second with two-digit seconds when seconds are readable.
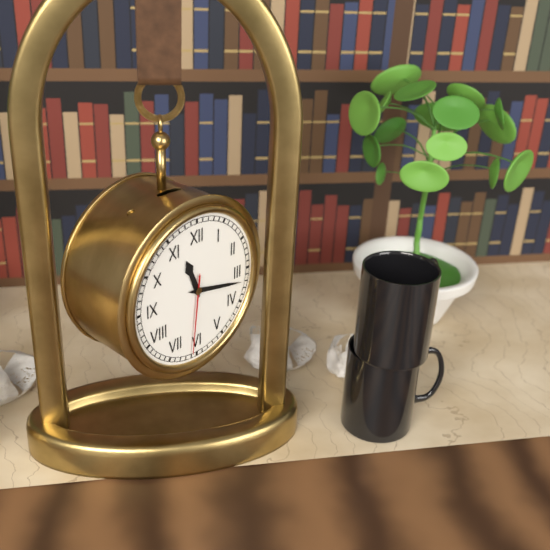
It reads 11,17,31
